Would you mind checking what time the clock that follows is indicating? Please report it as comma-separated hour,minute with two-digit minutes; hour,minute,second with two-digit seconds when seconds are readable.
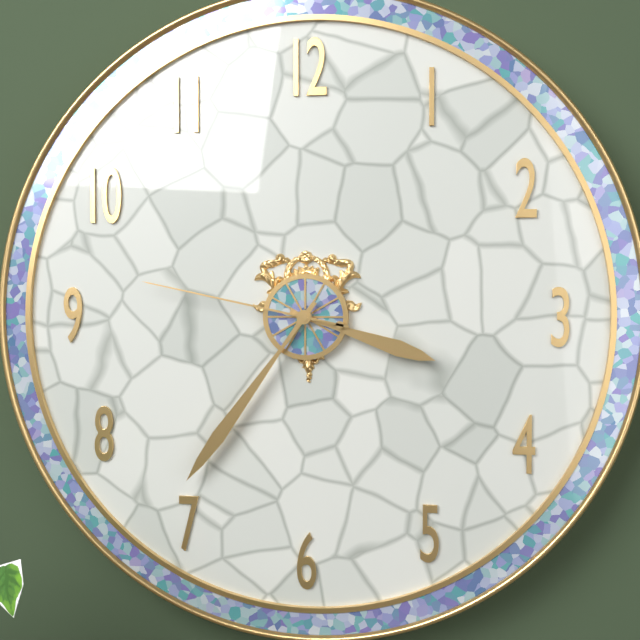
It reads 3,36,47
